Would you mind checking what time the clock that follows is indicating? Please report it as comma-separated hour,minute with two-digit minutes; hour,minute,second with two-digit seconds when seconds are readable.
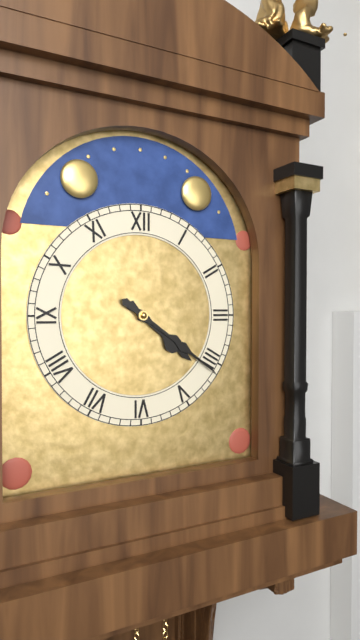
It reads 4,21
